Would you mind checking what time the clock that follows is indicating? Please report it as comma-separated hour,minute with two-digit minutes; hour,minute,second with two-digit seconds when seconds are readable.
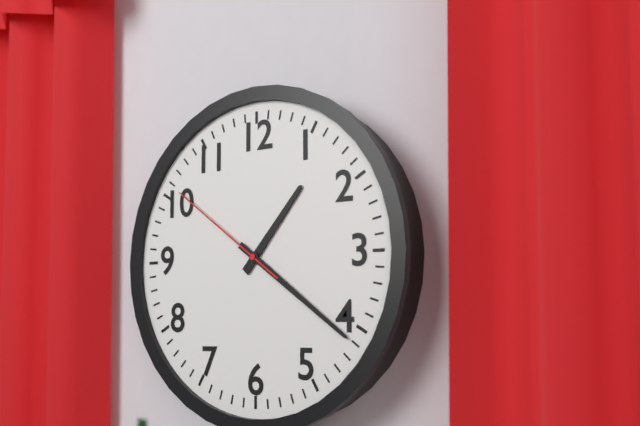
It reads 1,21,51
